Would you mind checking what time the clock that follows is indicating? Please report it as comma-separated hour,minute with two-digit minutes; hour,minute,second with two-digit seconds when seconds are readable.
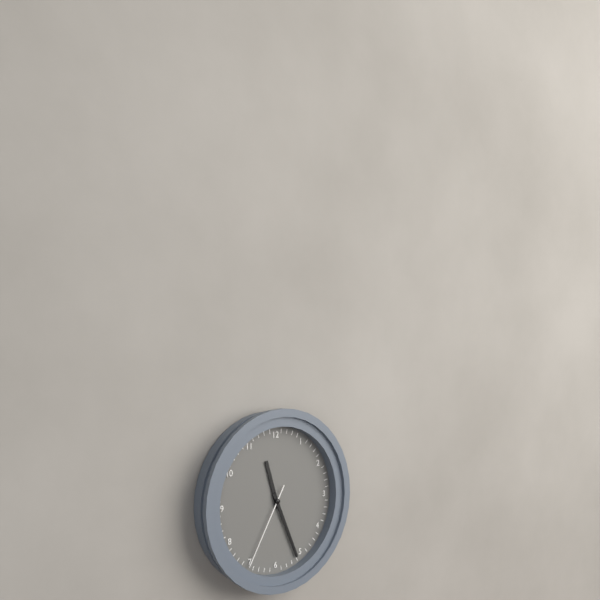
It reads 11,26,35
